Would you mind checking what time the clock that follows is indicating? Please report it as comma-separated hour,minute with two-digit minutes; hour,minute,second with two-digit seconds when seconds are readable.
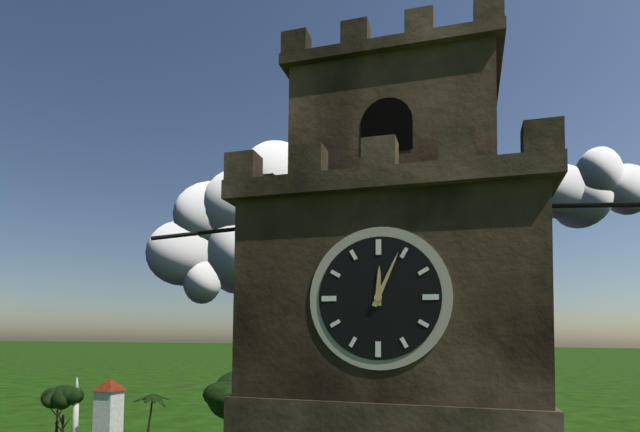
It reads 12,04
